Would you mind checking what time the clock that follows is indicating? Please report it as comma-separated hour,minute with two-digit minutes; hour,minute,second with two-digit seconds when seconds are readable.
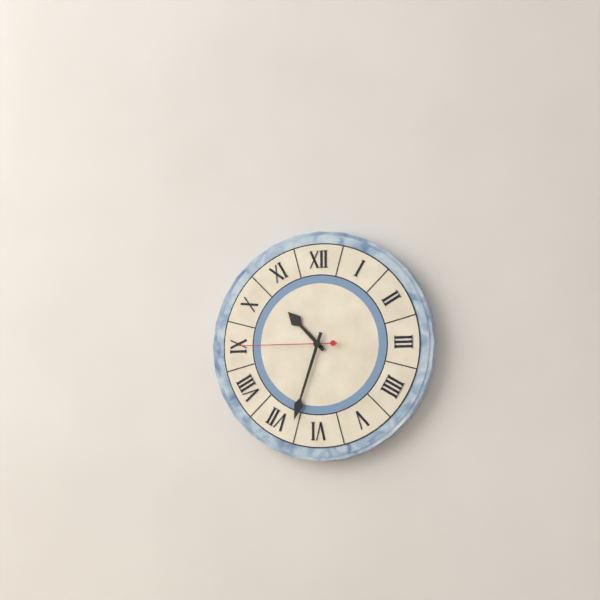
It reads 10,33,45
